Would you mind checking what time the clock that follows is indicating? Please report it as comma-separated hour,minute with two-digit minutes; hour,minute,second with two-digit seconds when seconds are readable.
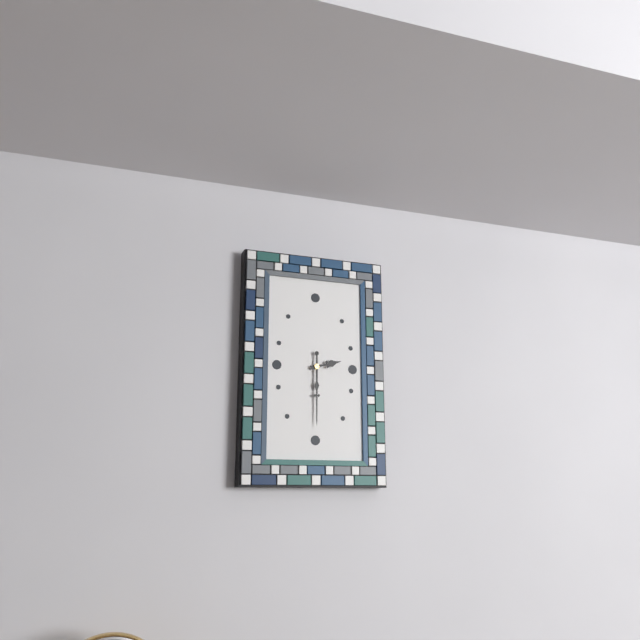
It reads 2,30
